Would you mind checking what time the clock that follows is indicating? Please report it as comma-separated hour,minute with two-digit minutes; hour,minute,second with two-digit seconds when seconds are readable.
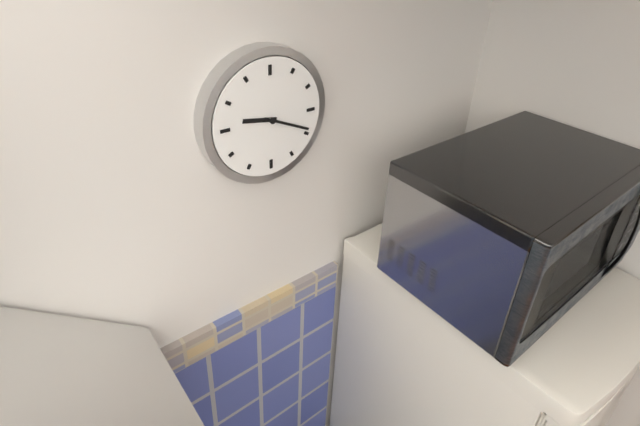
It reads 9,19
